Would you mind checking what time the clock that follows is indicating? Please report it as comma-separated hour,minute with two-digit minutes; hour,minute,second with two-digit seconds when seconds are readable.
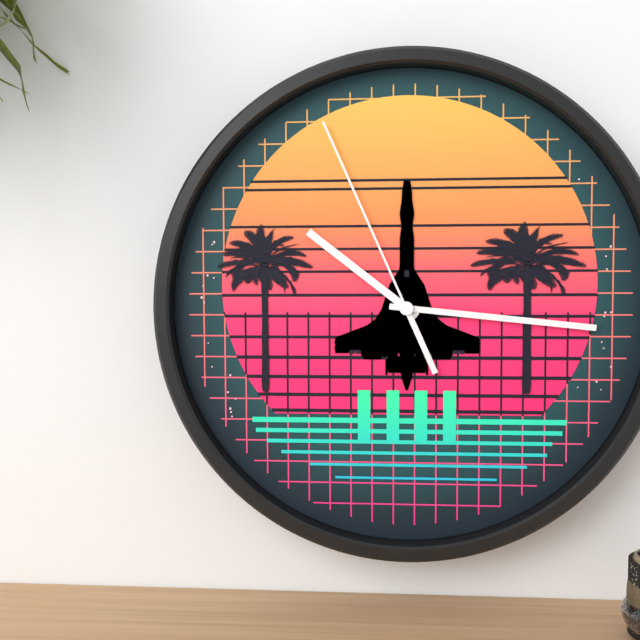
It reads 10,16,56
